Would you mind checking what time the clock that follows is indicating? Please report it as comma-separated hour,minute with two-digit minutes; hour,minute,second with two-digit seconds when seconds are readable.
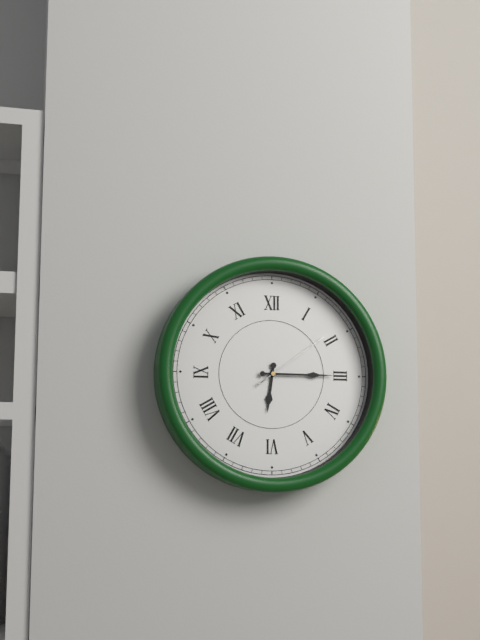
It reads 6,15,09
